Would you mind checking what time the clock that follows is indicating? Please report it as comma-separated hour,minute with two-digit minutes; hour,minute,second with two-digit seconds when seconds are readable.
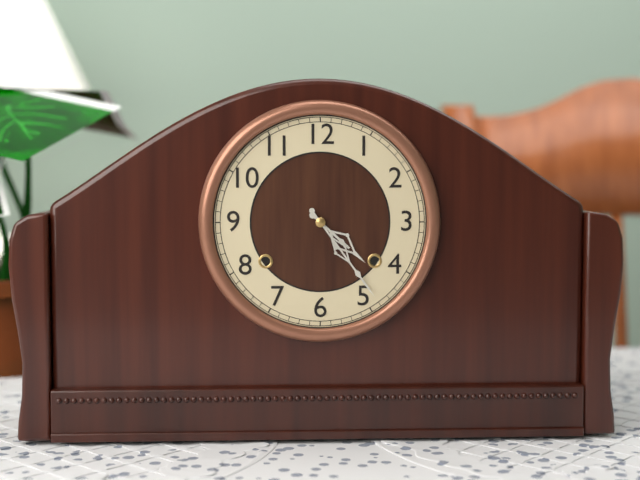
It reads 4,24
